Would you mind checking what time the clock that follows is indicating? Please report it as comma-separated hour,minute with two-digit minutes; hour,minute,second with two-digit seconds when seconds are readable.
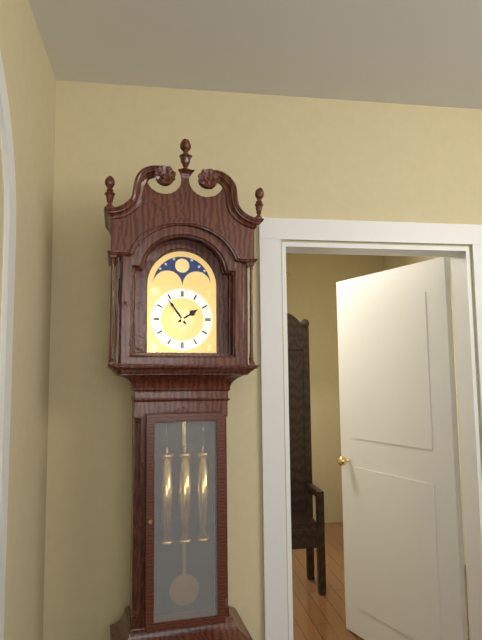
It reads 1,54
